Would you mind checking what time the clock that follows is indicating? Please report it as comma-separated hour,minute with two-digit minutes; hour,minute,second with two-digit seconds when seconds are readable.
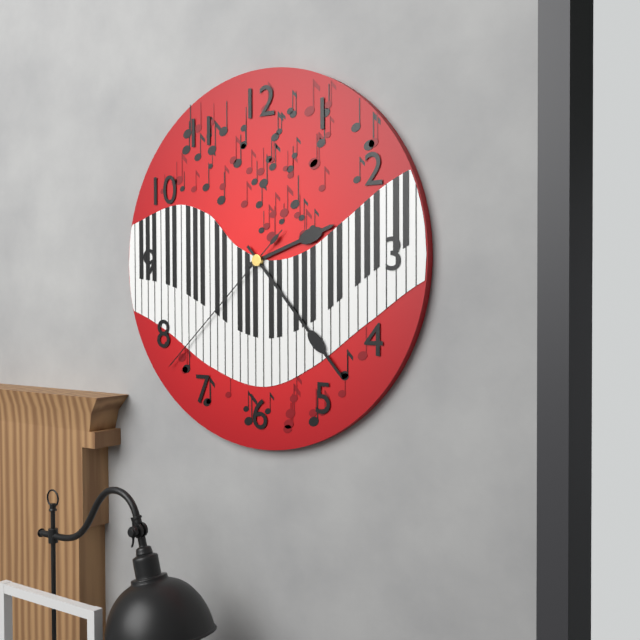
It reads 2,23,38
